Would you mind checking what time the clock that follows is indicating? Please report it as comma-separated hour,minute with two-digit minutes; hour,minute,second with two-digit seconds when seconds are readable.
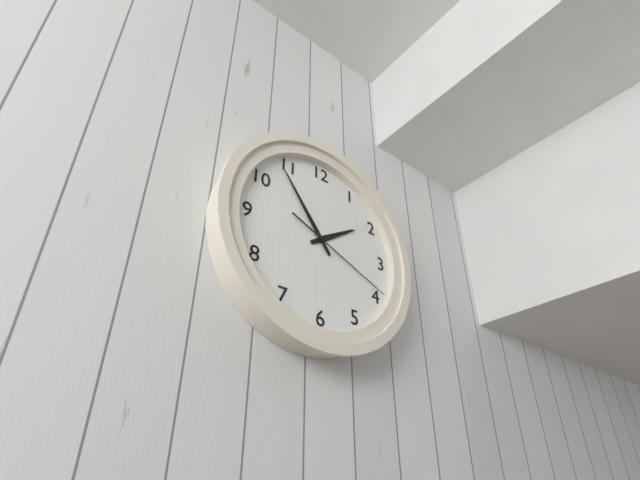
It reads 1,54,19
